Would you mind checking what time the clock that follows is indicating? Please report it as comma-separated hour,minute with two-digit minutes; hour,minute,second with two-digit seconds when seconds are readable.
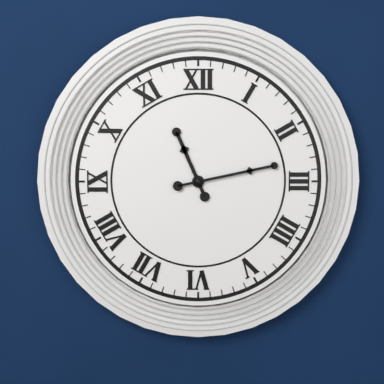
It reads 11,13
